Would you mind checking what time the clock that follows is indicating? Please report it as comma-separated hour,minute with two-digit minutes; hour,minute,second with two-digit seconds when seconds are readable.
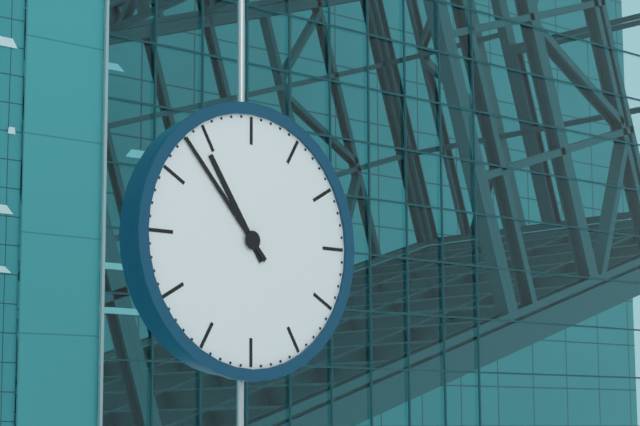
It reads 10,53
